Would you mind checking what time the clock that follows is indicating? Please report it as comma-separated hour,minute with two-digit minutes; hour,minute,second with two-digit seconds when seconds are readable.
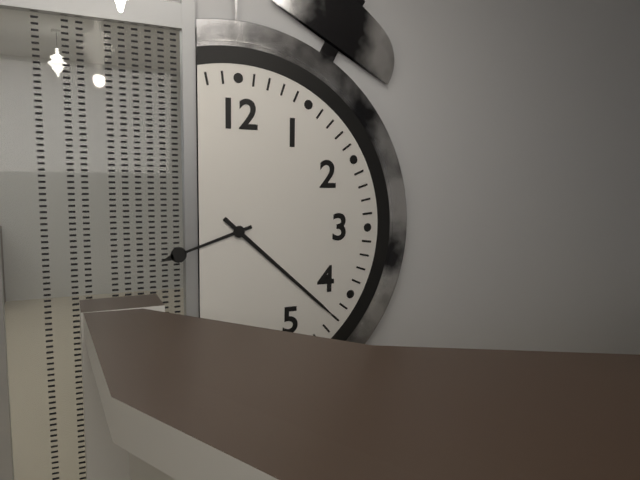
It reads 8,22
